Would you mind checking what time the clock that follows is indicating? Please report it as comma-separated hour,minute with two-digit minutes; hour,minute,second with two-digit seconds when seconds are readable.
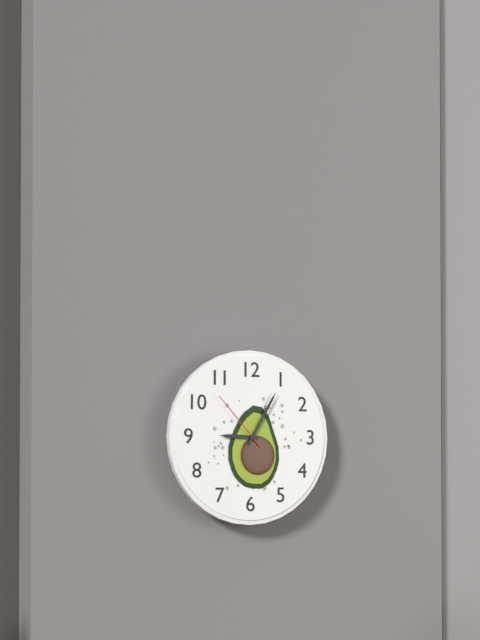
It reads 9,05,53
